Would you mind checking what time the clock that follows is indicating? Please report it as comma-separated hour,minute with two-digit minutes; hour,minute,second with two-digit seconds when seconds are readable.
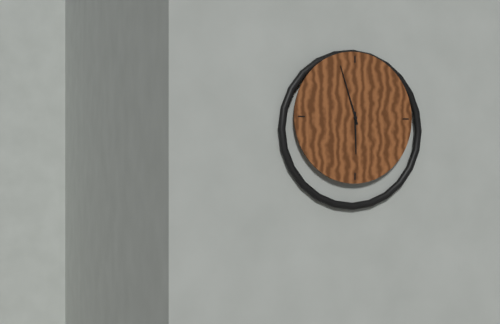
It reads 5,57
